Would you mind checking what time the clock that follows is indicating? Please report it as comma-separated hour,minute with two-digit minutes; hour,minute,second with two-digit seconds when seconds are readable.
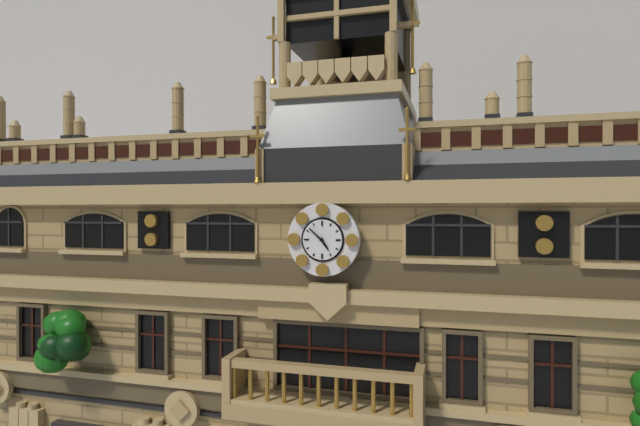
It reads 4,52
